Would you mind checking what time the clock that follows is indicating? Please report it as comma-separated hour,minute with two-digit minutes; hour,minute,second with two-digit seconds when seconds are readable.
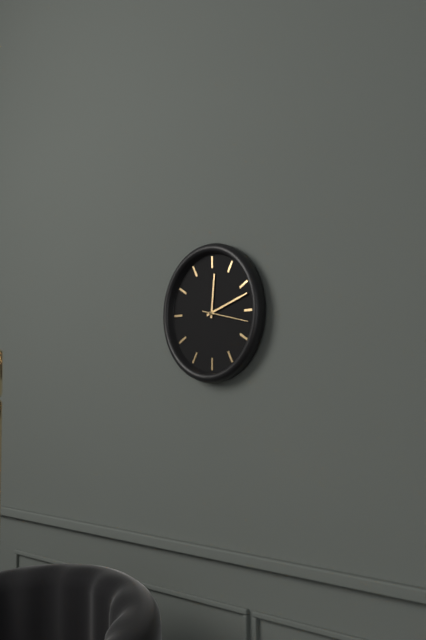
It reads 12,12
